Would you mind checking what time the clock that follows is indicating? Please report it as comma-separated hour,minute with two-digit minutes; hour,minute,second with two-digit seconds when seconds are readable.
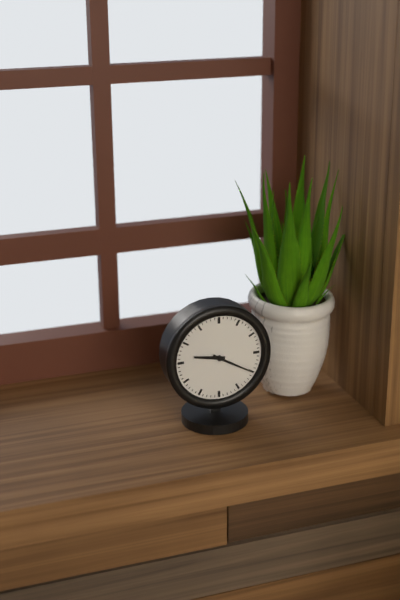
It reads 9,20
